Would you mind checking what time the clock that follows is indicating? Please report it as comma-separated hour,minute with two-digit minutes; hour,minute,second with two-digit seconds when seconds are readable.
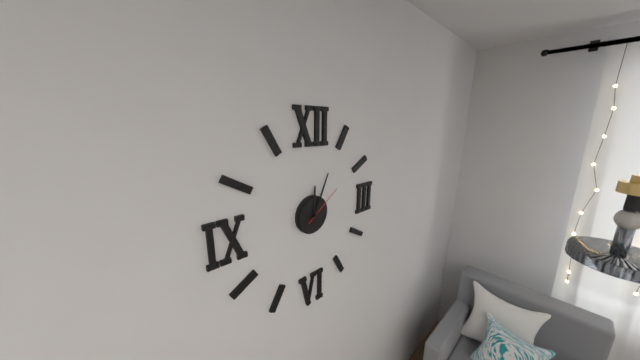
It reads 12,04
